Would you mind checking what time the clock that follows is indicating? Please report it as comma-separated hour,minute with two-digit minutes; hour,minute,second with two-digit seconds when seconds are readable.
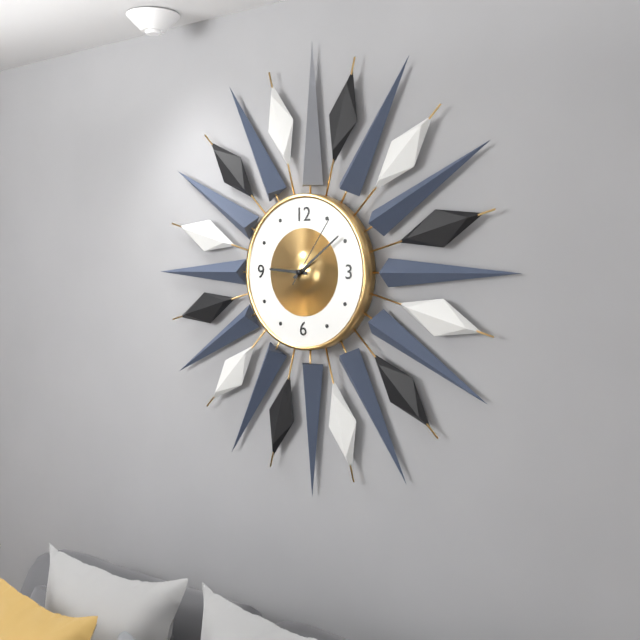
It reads 9,09,06
